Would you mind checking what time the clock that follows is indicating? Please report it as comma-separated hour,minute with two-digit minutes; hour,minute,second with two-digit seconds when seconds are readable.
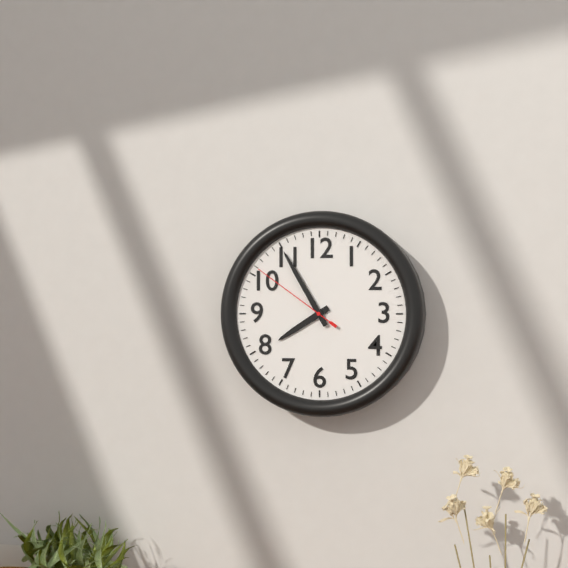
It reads 7,55,51
